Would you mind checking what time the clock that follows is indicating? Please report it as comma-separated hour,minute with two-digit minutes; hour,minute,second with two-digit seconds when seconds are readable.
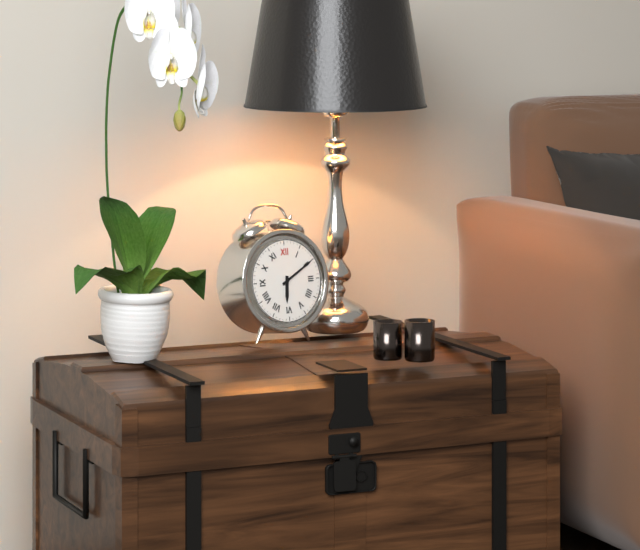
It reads 6,10
